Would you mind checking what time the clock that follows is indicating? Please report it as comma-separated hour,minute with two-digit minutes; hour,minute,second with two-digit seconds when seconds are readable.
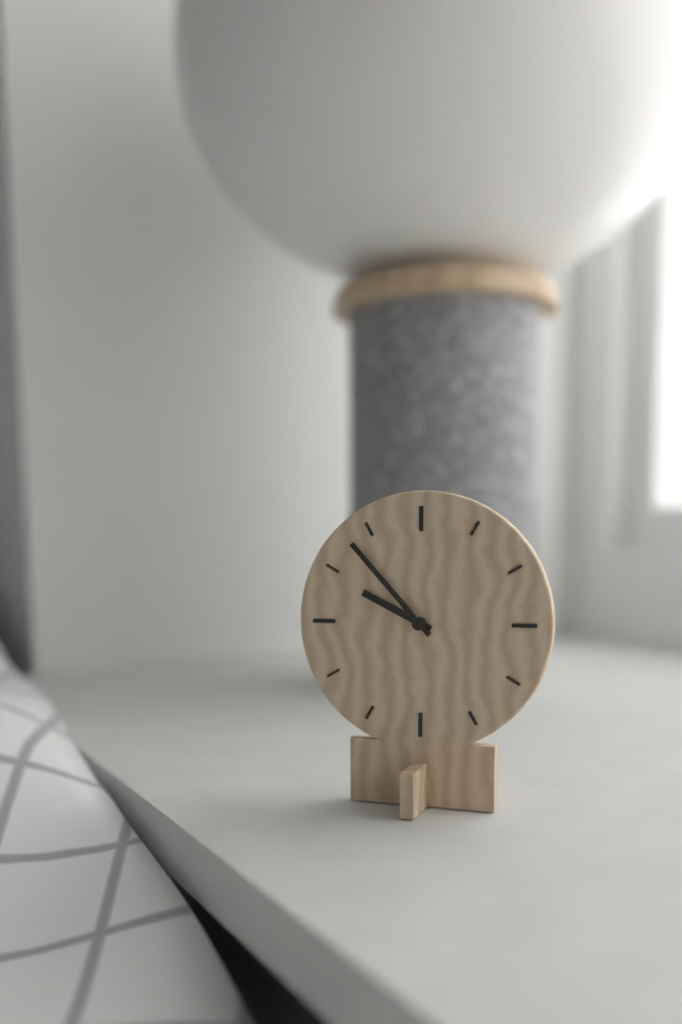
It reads 9,53
